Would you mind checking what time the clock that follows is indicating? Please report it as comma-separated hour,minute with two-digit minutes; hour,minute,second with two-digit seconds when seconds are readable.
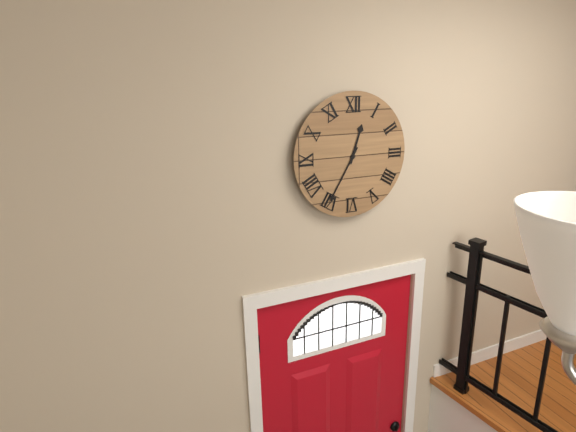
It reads 12,35
